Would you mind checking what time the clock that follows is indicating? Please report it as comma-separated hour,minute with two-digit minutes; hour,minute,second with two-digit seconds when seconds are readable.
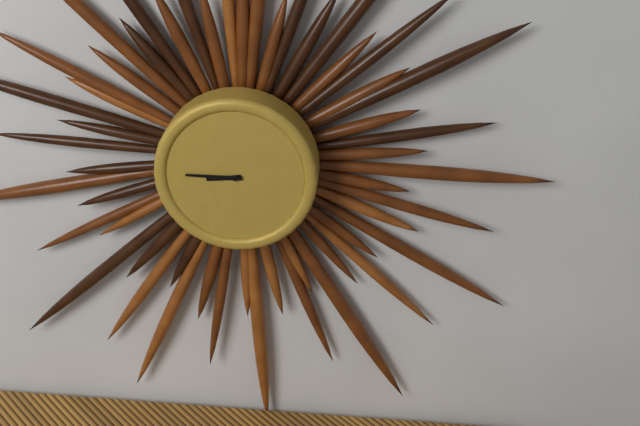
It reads 8,45
